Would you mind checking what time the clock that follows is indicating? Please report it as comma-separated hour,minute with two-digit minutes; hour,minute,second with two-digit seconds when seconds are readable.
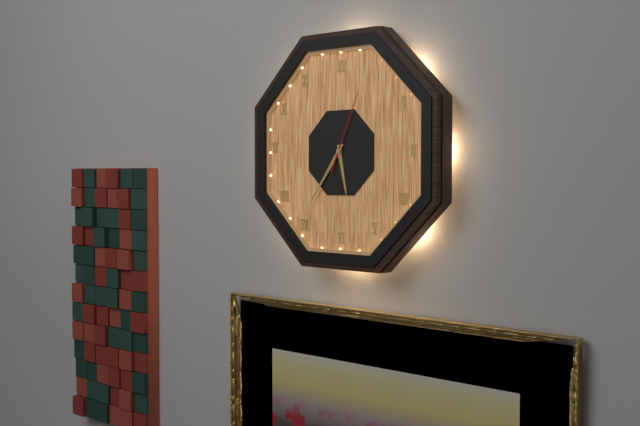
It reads 5,36,04
